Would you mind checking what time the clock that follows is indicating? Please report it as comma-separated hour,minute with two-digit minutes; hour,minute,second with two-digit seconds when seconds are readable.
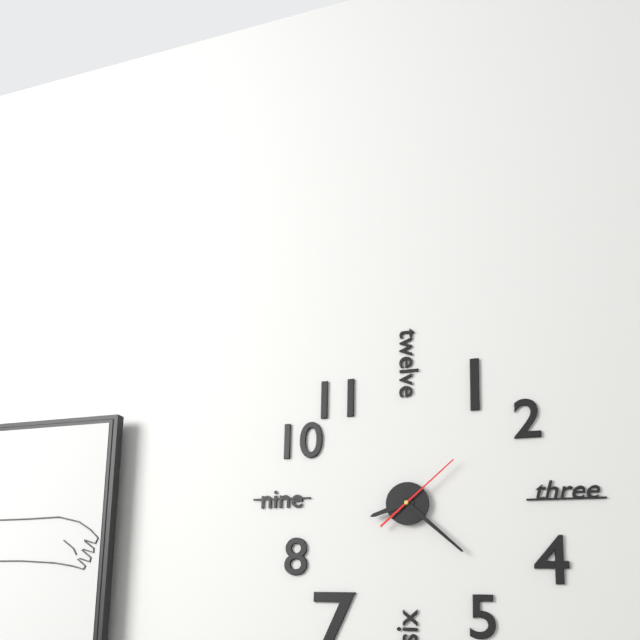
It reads 8,22,08
